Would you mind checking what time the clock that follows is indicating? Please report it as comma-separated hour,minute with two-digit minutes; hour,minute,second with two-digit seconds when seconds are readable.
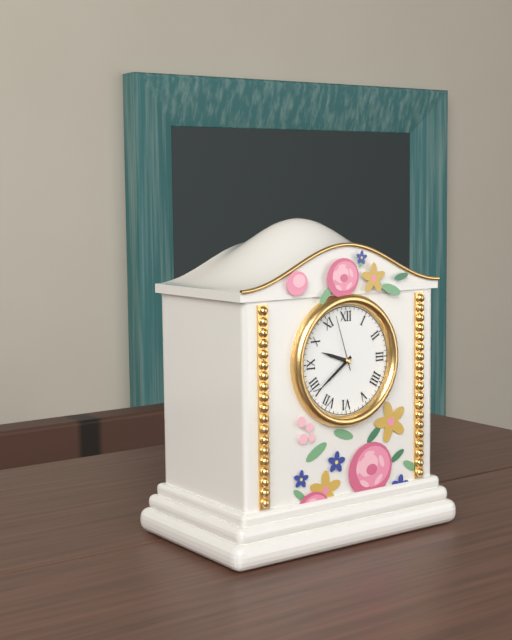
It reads 9,39,57
